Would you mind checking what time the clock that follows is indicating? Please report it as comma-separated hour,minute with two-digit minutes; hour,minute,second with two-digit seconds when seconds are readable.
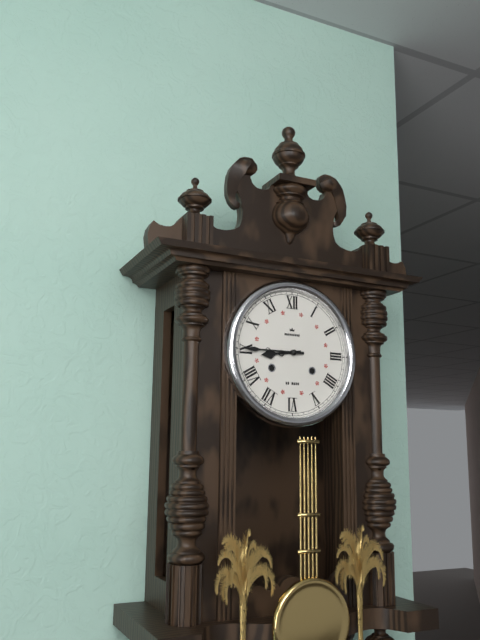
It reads 8,45
